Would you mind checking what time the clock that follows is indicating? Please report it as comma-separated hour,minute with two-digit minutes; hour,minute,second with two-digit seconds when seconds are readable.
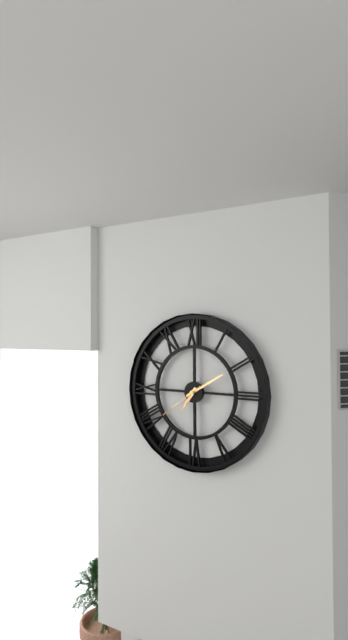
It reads 7,10
